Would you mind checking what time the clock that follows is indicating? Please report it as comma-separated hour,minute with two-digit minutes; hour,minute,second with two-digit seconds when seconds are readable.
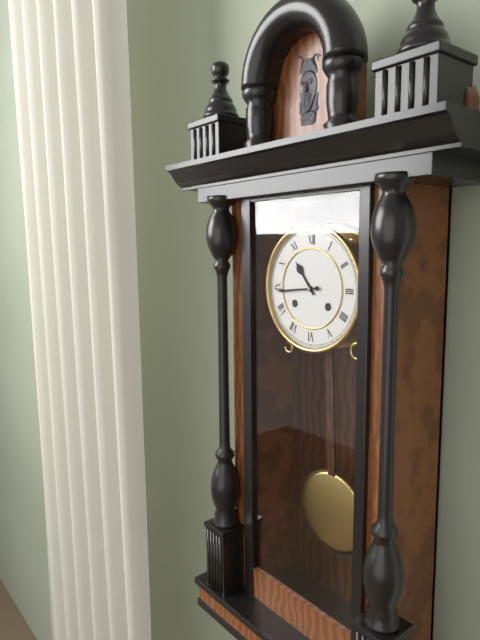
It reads 10,44
